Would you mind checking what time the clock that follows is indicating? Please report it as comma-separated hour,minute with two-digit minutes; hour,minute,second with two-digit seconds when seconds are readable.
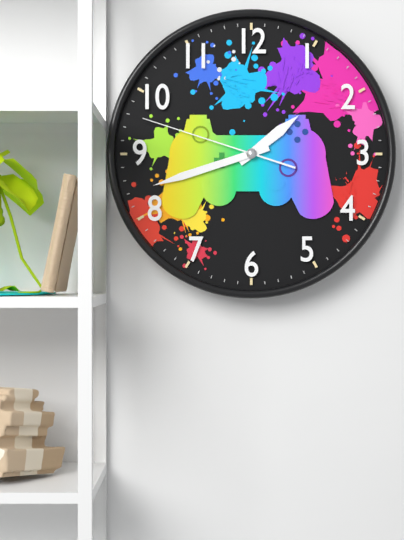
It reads 1,42,48
